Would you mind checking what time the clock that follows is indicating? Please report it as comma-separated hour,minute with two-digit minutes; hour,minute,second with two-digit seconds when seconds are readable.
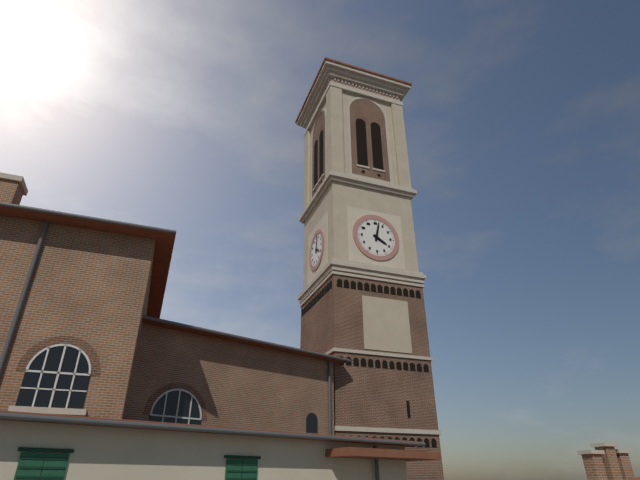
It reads 4,02
